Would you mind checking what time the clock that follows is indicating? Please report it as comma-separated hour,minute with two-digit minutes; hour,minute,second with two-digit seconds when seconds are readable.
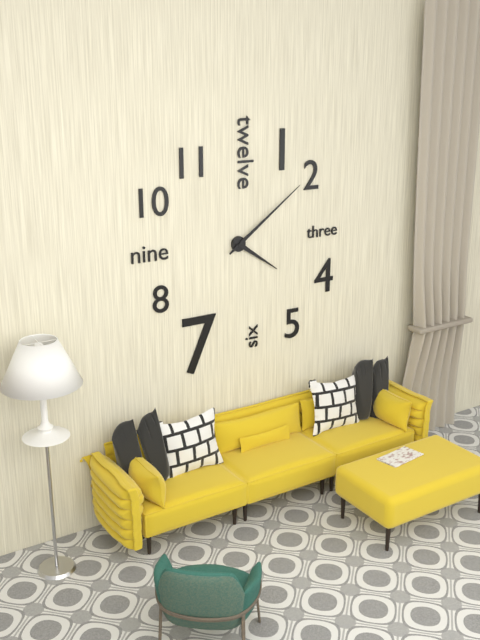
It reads 4,09
